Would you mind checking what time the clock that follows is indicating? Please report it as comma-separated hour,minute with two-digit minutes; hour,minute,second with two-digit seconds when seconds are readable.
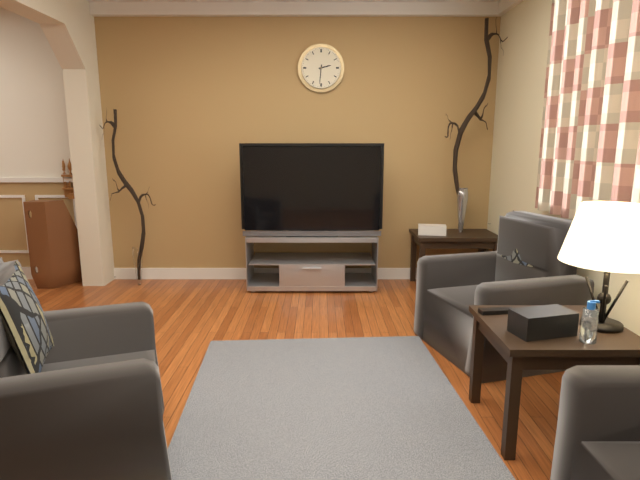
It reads 2,31
